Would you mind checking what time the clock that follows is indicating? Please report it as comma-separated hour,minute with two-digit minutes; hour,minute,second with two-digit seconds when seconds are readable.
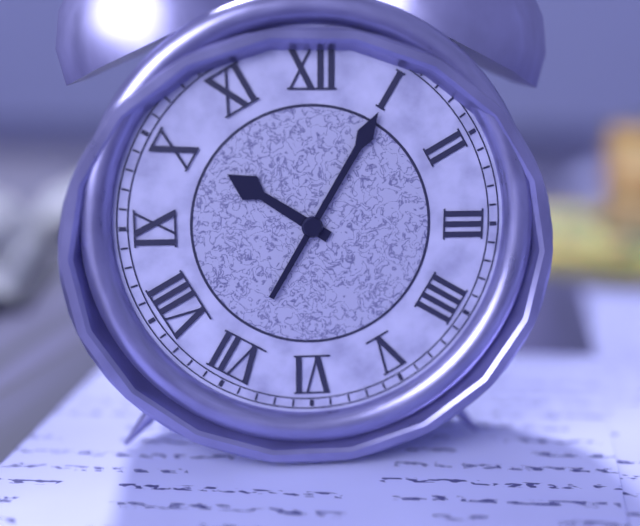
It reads 10,05
